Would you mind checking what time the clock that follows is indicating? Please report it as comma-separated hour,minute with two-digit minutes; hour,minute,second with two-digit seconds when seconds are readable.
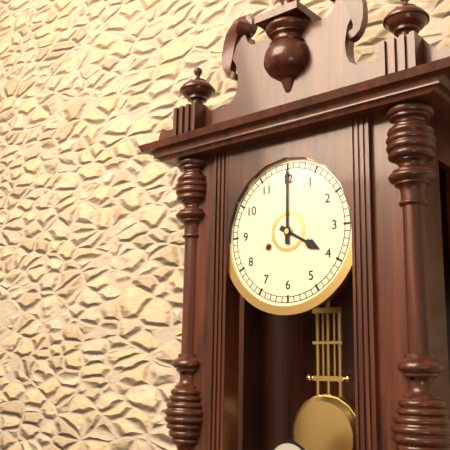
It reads 4,00
